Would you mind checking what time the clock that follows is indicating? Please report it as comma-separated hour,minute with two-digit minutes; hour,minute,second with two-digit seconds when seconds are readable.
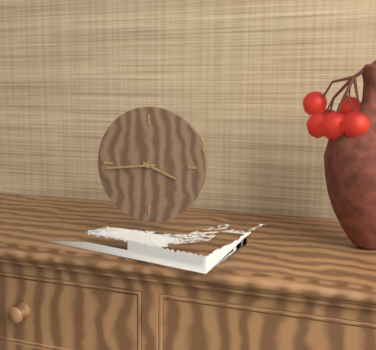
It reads 3,44
